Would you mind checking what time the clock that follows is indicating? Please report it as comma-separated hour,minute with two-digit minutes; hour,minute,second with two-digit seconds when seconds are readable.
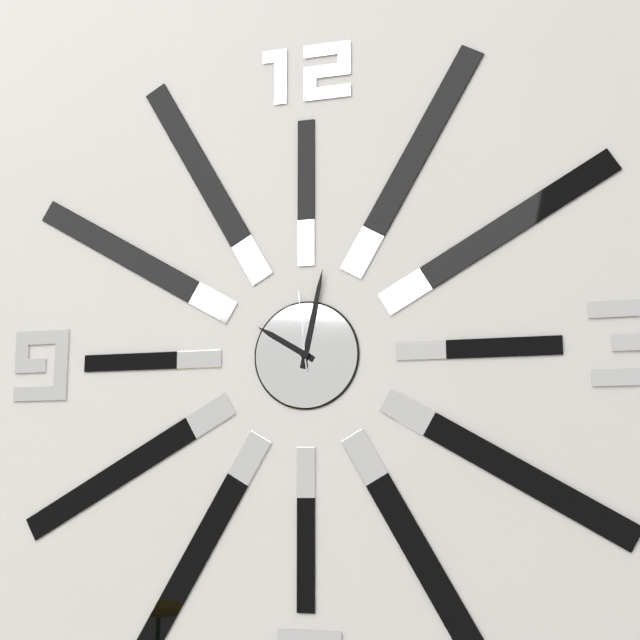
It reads 10,02,59
